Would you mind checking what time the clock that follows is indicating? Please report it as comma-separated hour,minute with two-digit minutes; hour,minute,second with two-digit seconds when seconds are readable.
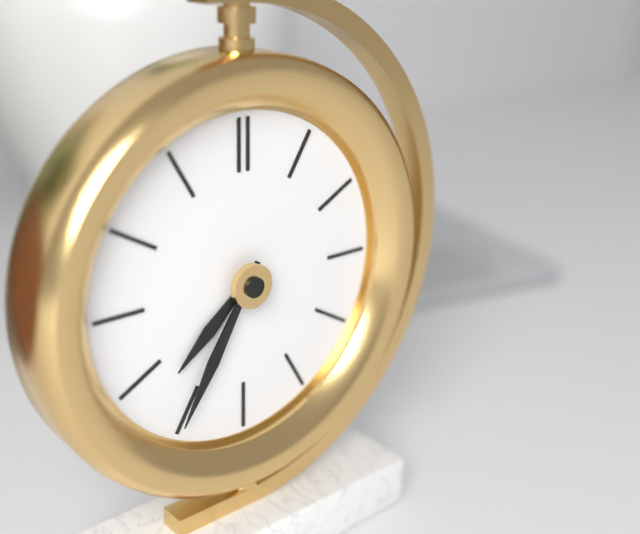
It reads 7,35
